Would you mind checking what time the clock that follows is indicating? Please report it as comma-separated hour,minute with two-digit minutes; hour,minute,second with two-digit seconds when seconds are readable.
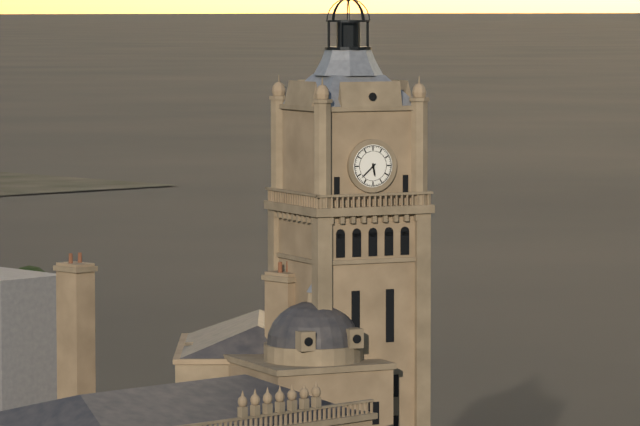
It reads 5,38
